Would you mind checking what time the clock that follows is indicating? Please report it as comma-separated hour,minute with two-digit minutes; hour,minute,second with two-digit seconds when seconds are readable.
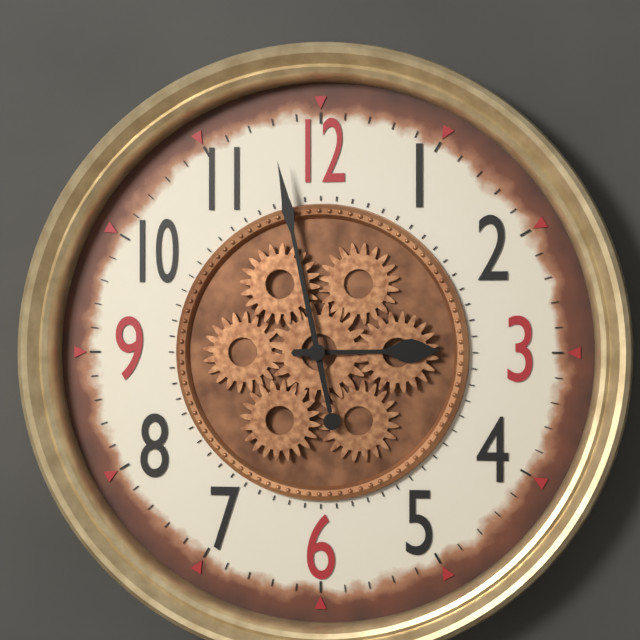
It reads 2,58
